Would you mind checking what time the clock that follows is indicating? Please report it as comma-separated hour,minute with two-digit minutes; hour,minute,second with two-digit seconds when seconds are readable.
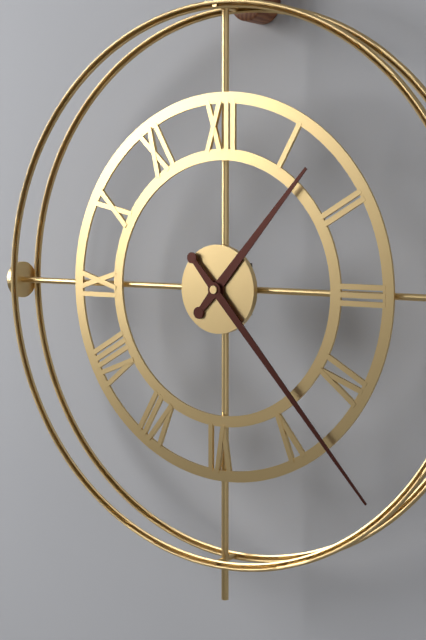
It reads 1,23
